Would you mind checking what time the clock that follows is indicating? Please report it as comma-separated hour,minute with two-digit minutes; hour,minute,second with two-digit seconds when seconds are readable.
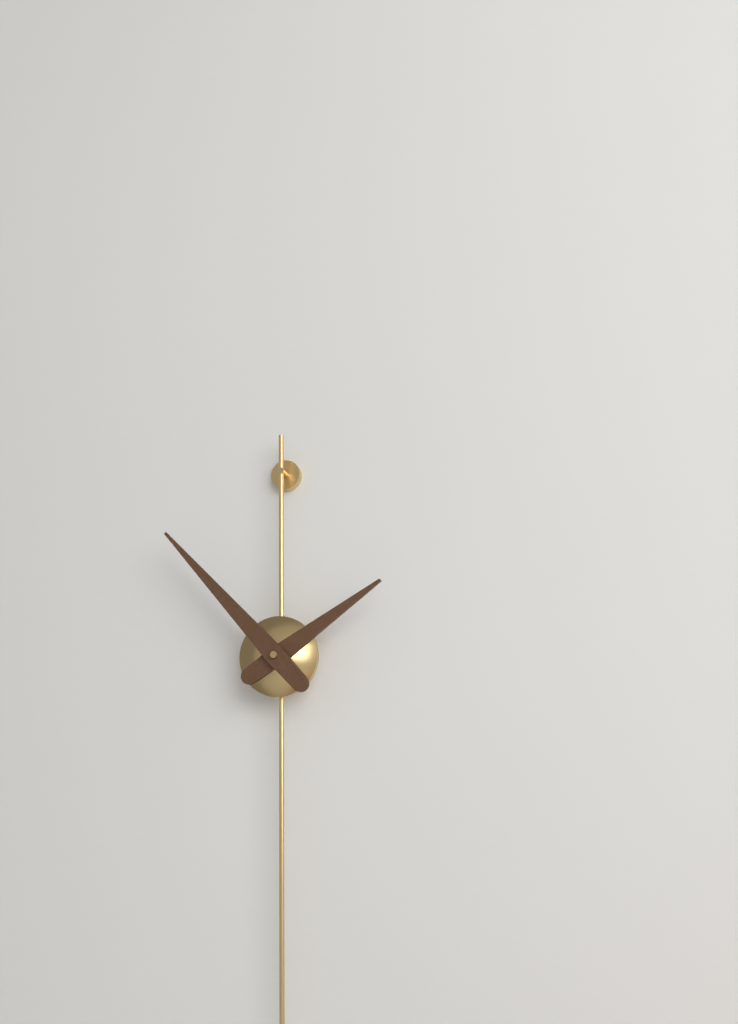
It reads 1,53
